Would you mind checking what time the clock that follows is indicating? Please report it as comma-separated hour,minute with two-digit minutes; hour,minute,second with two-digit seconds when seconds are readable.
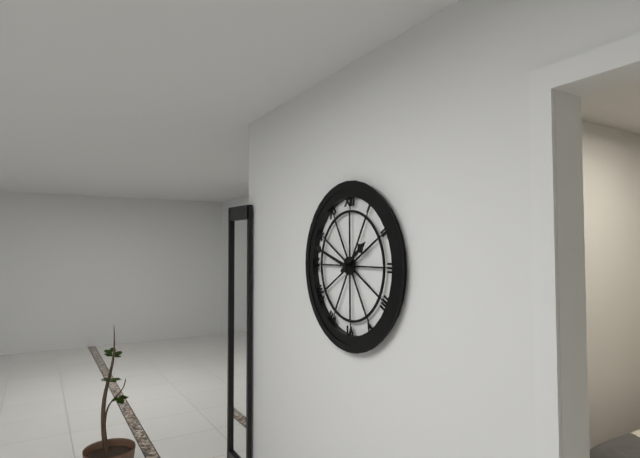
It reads 1,48
